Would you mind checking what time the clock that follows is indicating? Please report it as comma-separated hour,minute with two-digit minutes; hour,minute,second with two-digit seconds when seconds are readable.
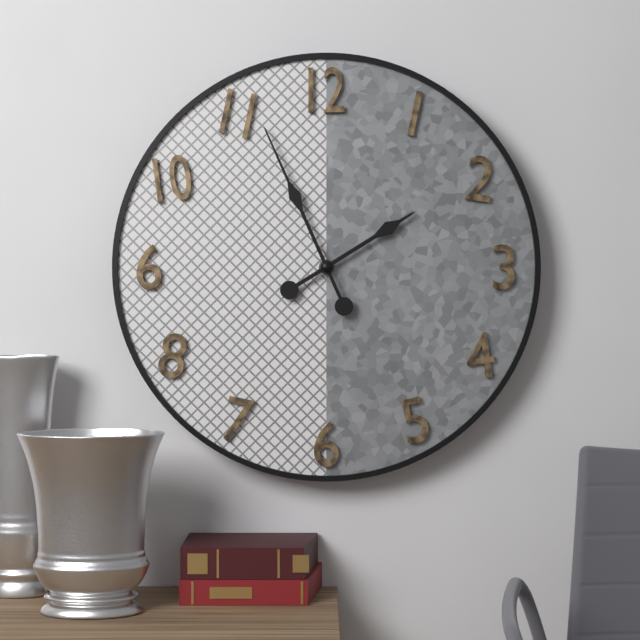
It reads 1,56
